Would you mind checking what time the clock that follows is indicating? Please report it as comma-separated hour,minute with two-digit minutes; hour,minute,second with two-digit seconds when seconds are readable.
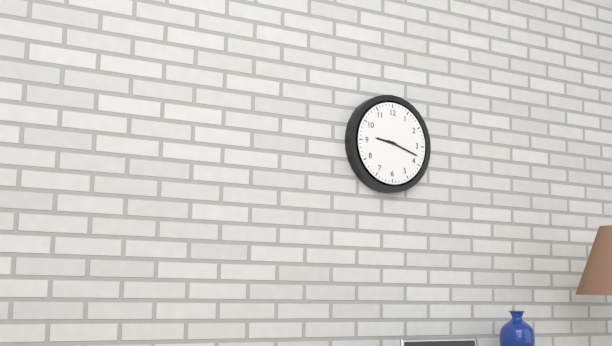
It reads 9,18
